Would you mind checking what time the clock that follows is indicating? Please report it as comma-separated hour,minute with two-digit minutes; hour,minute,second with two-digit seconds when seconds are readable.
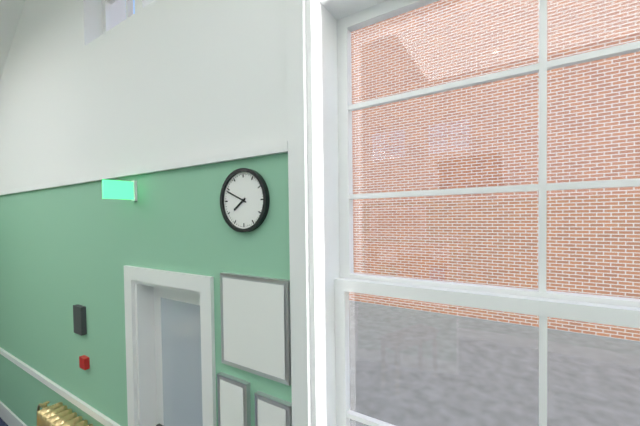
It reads 7,49
